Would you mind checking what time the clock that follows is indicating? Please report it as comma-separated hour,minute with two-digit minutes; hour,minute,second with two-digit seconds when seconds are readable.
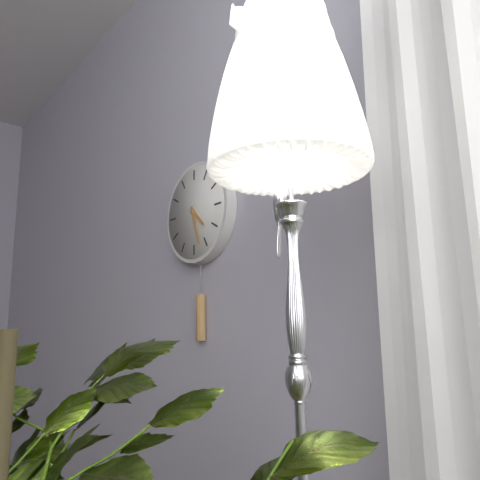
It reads 4,27
